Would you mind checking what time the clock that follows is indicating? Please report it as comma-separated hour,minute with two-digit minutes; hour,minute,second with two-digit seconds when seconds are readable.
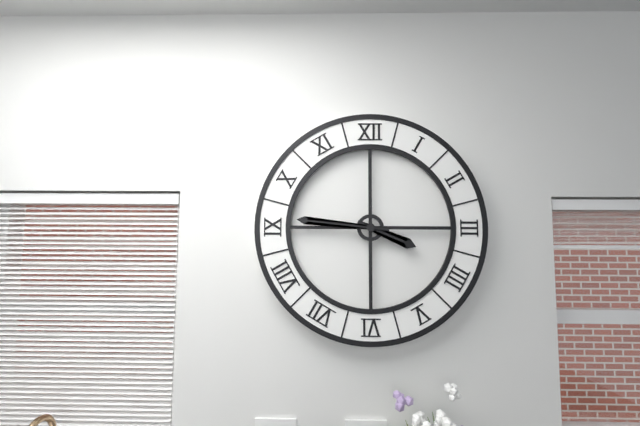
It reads 3,46
